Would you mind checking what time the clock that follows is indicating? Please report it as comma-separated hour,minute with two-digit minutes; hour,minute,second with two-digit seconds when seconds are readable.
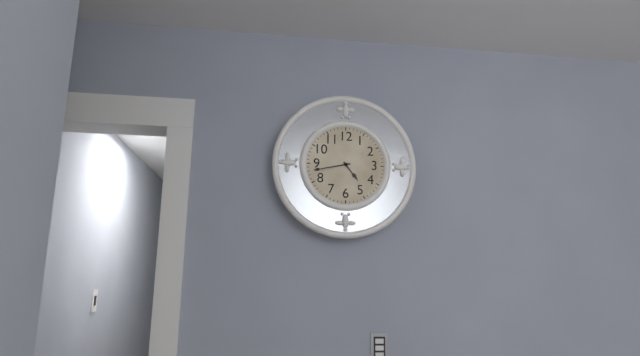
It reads 4,43
